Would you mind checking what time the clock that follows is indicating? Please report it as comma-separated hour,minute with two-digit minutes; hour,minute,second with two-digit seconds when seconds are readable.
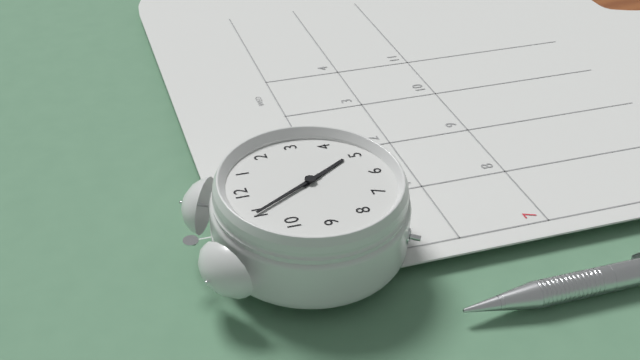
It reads 4,55
